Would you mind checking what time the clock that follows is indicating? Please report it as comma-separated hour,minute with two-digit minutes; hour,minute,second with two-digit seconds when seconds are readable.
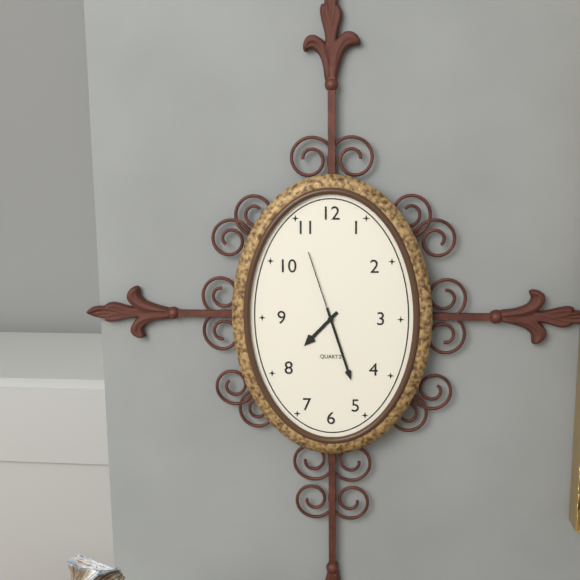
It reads 7,27,57
